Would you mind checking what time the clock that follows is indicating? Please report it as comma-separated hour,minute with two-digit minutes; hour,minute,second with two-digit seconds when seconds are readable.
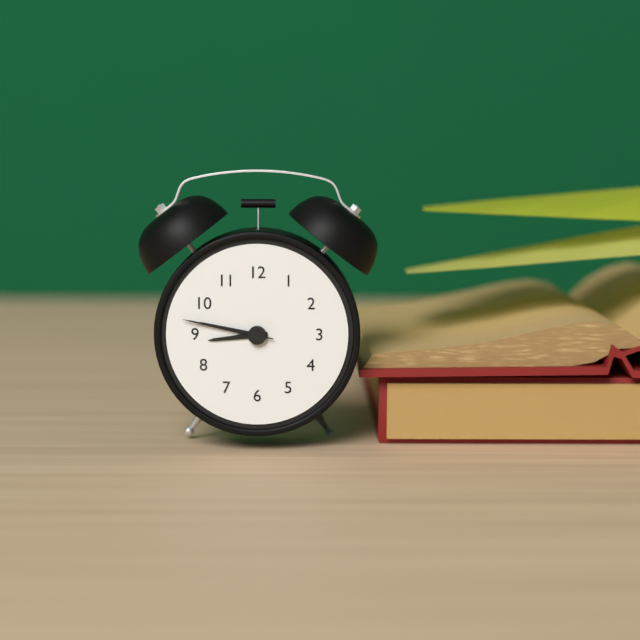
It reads 8,47,47
